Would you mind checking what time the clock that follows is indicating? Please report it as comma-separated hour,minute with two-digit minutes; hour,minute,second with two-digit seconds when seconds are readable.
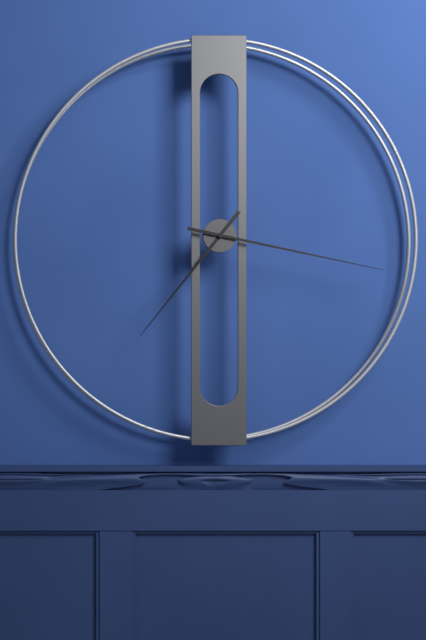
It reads 7,17
